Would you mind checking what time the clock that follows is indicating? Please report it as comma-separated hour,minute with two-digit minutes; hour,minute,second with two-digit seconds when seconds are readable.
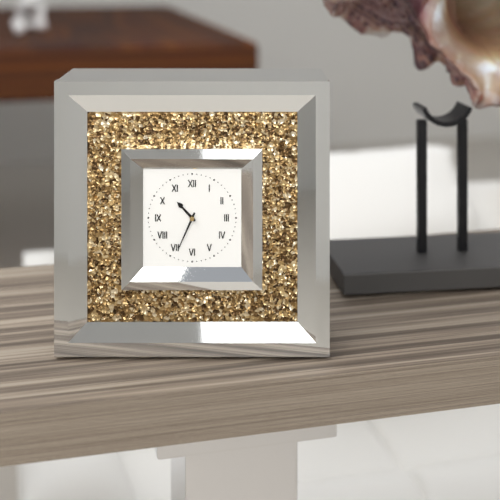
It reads 10,34
